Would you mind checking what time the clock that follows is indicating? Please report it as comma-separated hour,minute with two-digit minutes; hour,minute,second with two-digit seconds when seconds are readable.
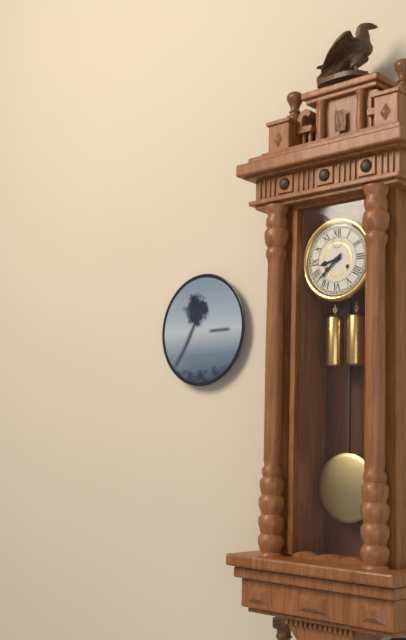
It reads 8,38
